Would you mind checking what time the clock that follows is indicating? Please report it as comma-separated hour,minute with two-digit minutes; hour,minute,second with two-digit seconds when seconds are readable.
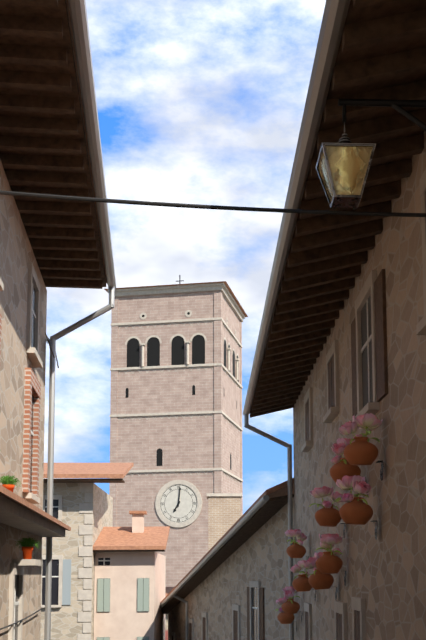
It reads 7,01
